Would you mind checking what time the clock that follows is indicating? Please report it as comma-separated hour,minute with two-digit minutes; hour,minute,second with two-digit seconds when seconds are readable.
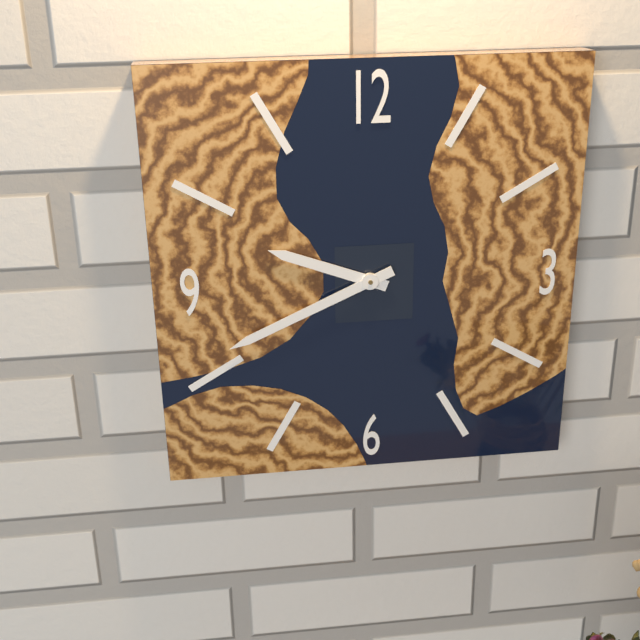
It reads 9,41
